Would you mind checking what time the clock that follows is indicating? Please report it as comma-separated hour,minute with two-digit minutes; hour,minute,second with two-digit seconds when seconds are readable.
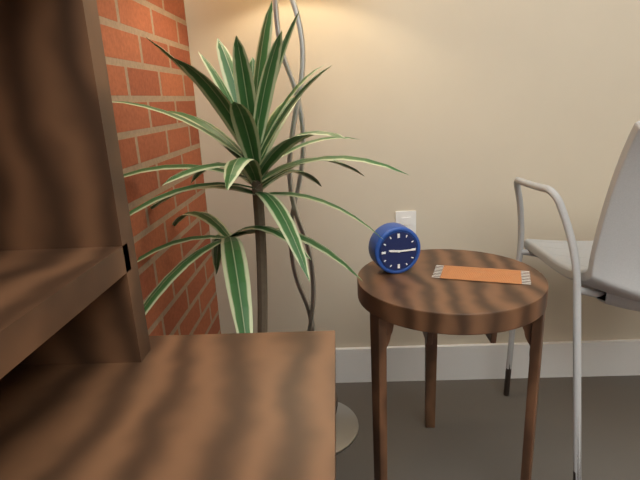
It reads 9,15
